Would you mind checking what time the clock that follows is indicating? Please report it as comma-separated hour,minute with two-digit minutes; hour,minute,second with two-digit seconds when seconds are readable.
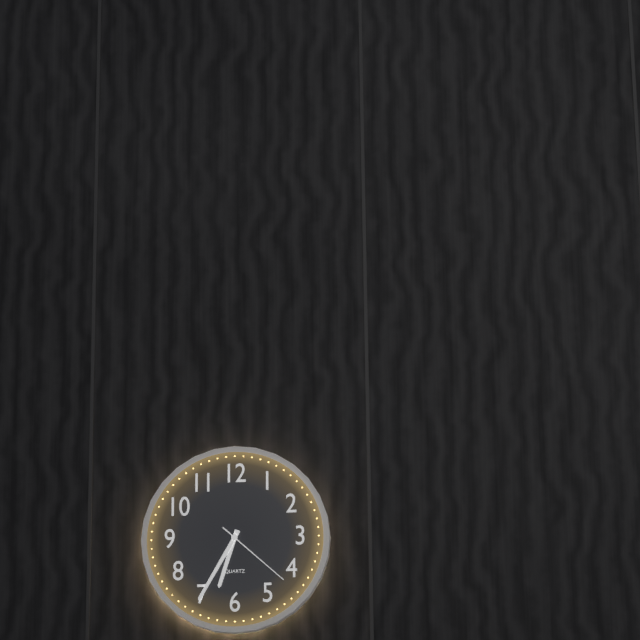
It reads 6,35,22
